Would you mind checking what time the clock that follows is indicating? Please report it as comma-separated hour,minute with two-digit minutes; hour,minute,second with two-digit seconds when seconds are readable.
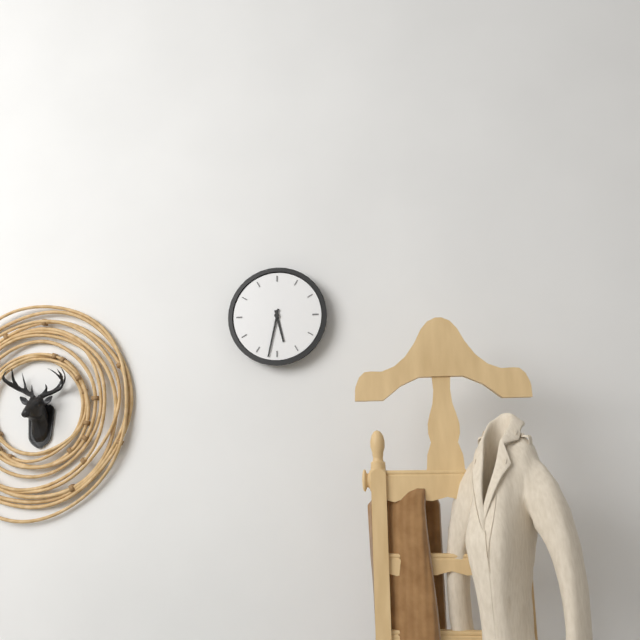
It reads 5,32
